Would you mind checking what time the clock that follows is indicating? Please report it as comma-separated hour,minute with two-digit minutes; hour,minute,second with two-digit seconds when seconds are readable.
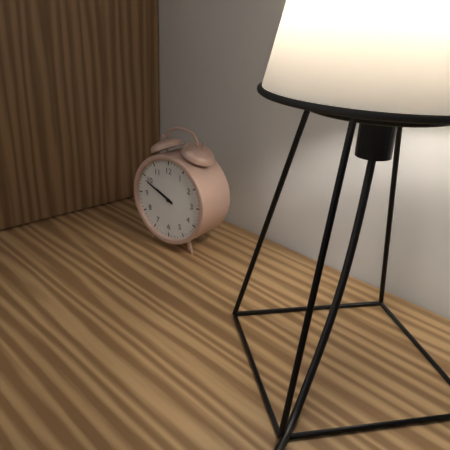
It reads 9,49
